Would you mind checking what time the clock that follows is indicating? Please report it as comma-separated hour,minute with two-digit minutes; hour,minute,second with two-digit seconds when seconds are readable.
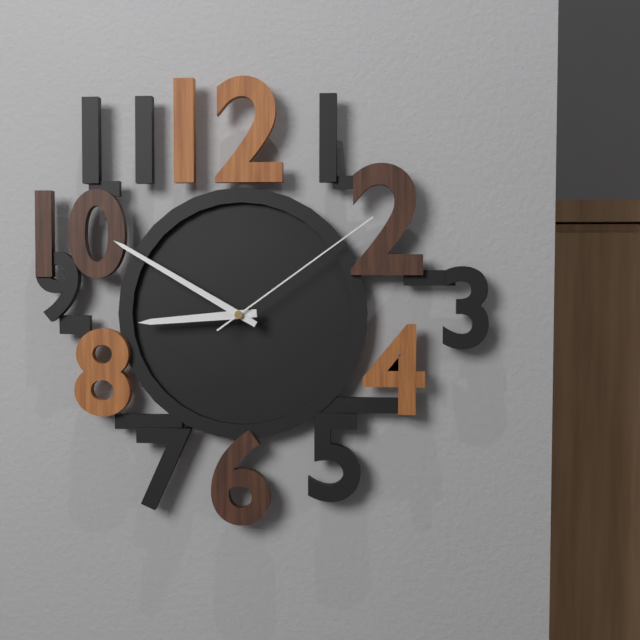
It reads 8,50,09
